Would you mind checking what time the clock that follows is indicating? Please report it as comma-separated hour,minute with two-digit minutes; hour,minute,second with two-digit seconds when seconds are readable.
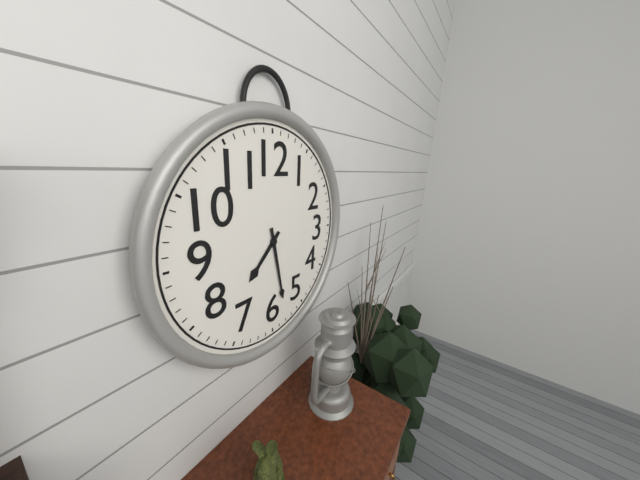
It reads 7,28
